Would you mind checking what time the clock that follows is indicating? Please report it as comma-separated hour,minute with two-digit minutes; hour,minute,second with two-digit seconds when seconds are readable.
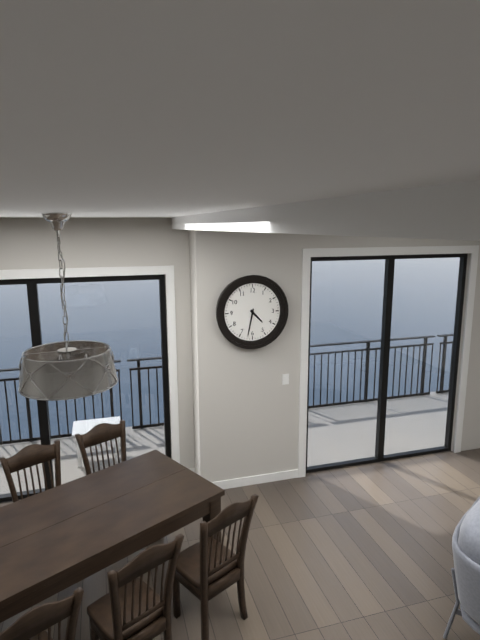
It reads 4,32
